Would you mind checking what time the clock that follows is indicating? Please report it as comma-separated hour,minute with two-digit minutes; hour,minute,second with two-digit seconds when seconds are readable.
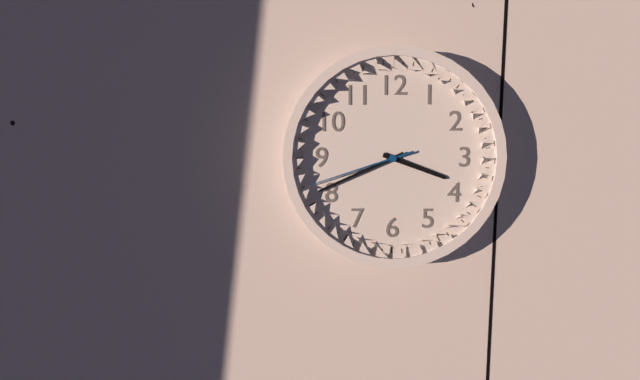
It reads 3,41,42
